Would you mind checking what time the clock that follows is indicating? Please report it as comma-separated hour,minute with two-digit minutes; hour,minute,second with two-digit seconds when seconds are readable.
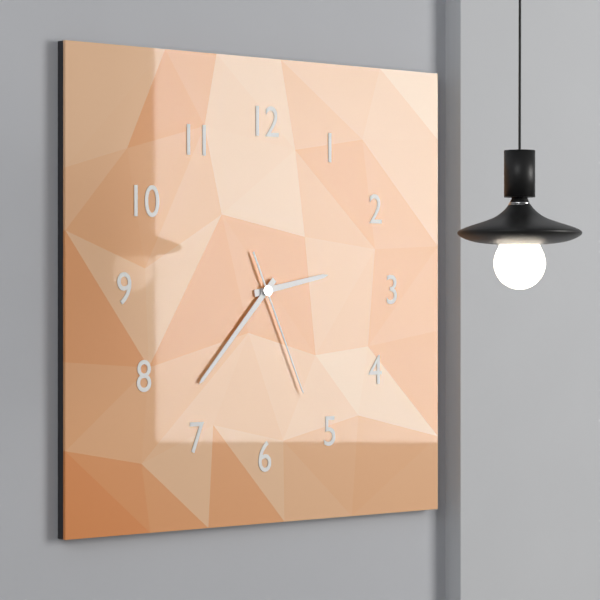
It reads 2,37,26
